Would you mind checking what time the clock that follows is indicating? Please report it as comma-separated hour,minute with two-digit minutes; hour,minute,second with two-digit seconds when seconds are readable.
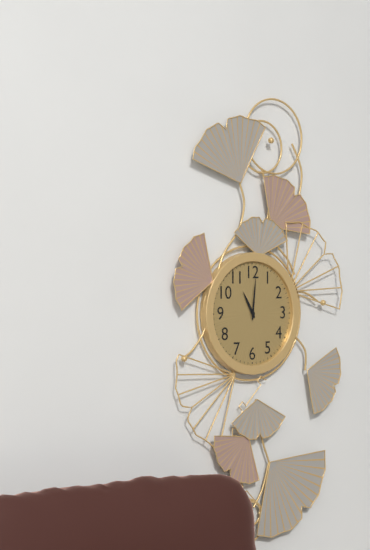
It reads 11,01
